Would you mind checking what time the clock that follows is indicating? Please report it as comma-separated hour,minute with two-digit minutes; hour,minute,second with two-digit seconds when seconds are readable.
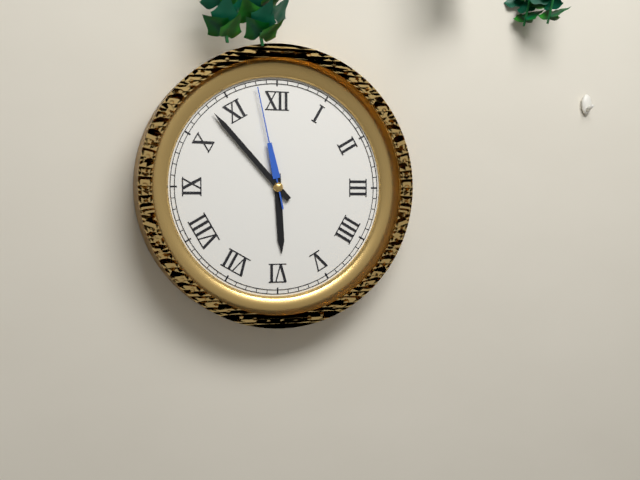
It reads 5,53,58
